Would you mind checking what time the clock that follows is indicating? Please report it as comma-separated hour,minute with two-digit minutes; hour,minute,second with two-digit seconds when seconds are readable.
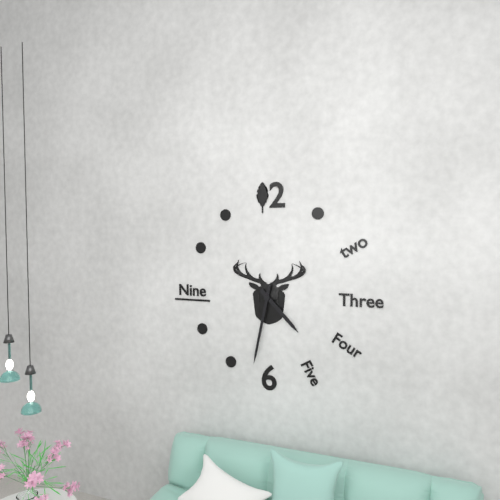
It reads 4,32
